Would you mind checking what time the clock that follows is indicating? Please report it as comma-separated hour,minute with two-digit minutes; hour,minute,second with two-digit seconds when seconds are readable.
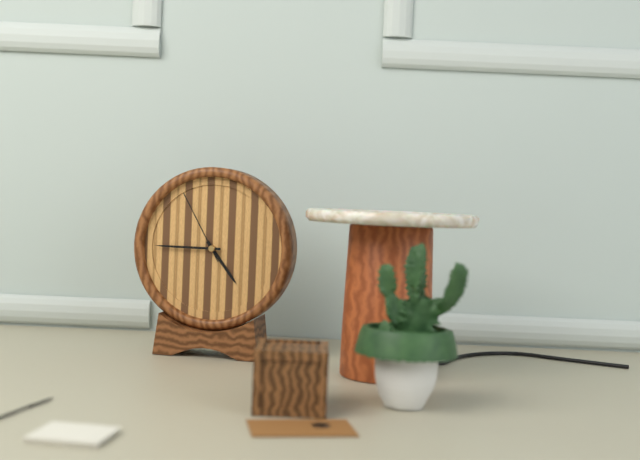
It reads 4,45,55
